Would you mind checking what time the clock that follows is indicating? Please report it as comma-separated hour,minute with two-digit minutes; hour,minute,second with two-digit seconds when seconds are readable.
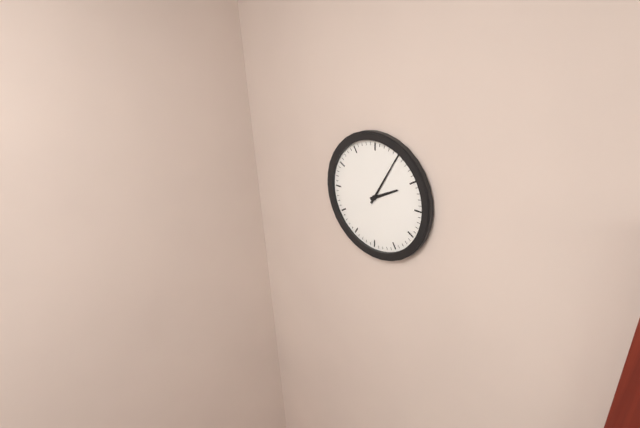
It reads 2,05
